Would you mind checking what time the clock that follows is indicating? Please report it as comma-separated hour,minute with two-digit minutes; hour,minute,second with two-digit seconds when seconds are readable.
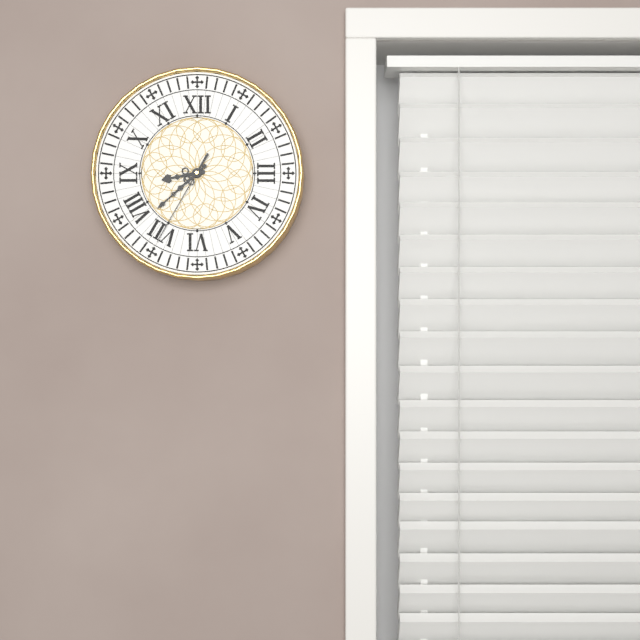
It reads 8,38,35
